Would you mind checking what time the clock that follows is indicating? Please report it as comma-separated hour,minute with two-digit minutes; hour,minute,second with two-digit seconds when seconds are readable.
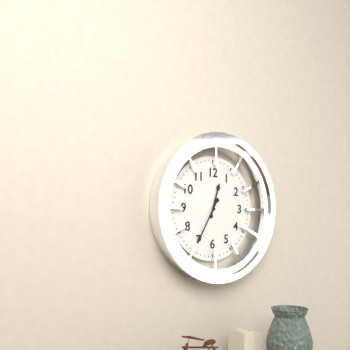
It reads 12,35
